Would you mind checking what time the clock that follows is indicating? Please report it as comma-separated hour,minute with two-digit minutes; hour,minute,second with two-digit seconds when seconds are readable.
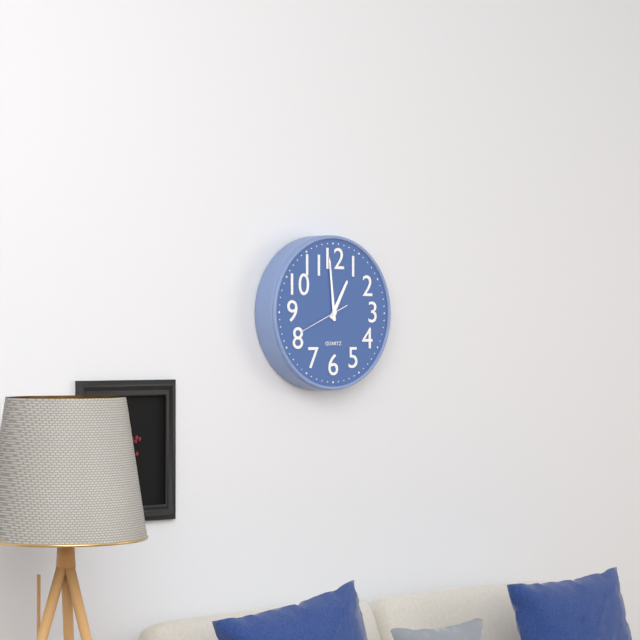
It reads 12,59
